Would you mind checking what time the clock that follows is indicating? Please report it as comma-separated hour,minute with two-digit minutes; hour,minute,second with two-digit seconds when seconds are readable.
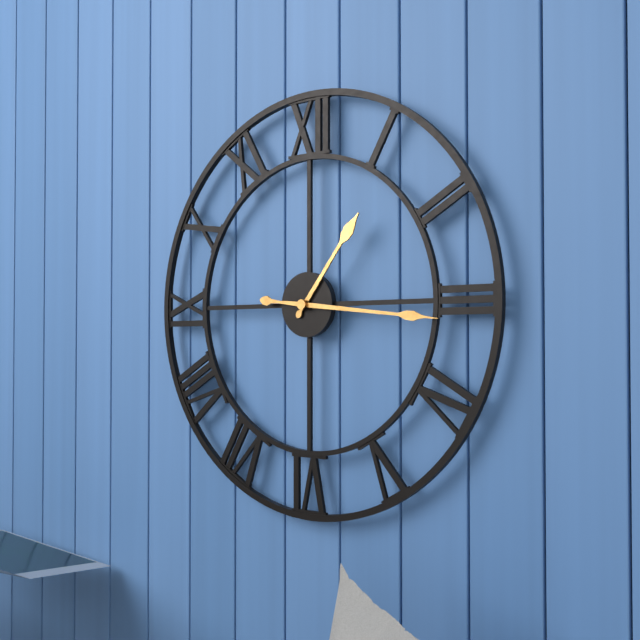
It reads 1,16
